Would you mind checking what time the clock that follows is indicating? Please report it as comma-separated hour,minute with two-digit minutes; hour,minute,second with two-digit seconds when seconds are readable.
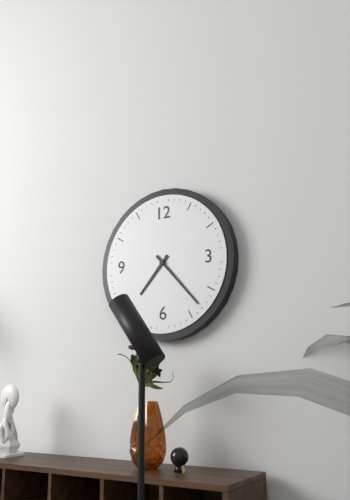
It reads 7,23
